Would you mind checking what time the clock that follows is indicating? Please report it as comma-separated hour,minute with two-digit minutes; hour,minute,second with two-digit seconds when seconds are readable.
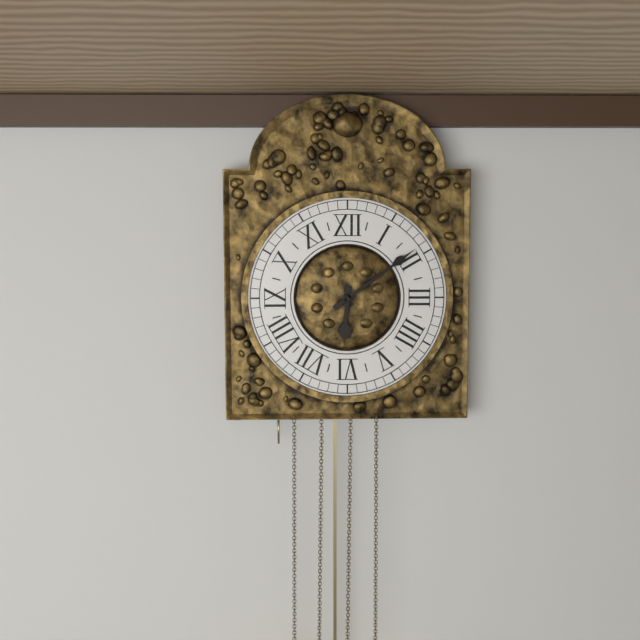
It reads 6,09
